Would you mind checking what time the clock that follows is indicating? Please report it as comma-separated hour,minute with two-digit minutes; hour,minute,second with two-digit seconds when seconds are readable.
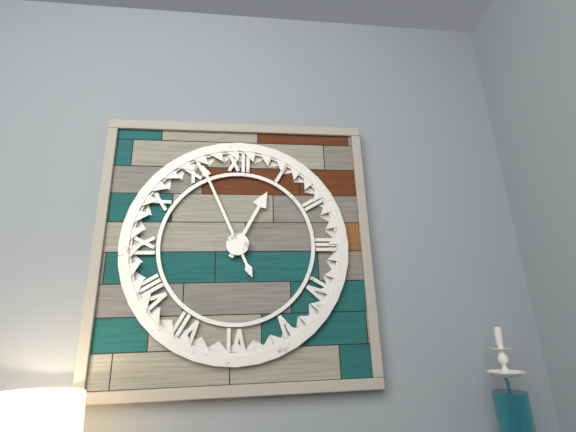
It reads 12,56
